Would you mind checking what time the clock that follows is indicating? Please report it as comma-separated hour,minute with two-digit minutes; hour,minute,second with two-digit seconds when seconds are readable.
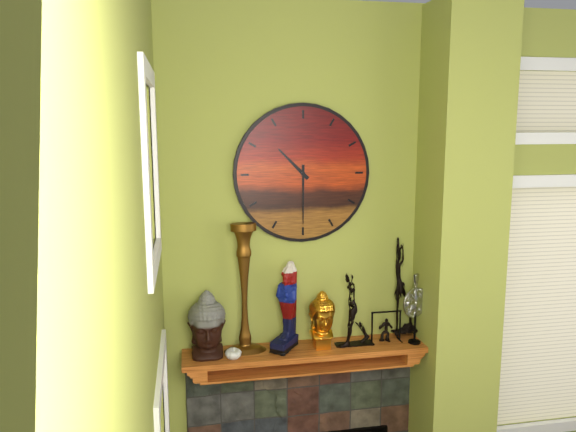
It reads 10,30
